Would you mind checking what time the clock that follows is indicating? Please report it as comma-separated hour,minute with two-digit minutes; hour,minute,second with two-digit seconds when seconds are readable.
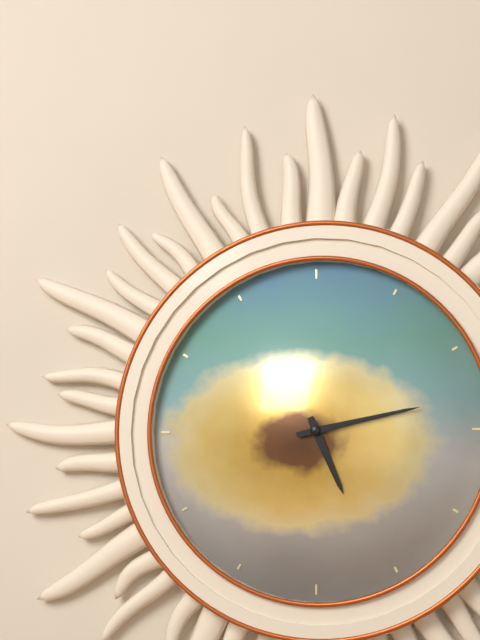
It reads 5,13
